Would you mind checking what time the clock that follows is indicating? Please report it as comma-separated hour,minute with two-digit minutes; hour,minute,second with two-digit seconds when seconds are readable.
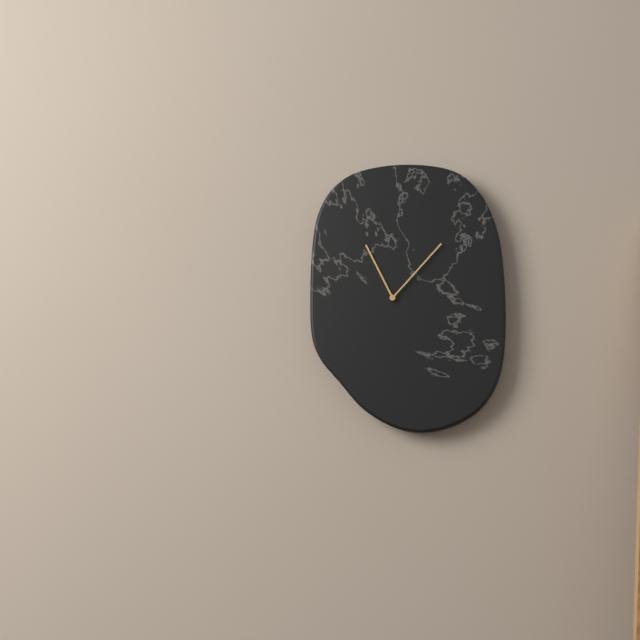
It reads 11,07
